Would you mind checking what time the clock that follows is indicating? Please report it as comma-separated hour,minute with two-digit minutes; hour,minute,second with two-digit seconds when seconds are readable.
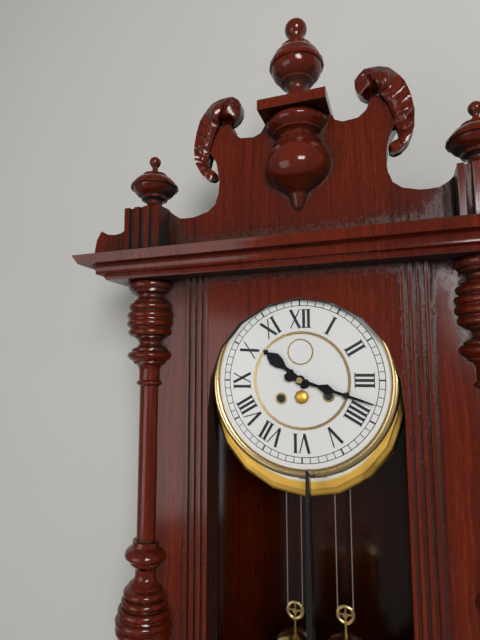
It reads 10,18
